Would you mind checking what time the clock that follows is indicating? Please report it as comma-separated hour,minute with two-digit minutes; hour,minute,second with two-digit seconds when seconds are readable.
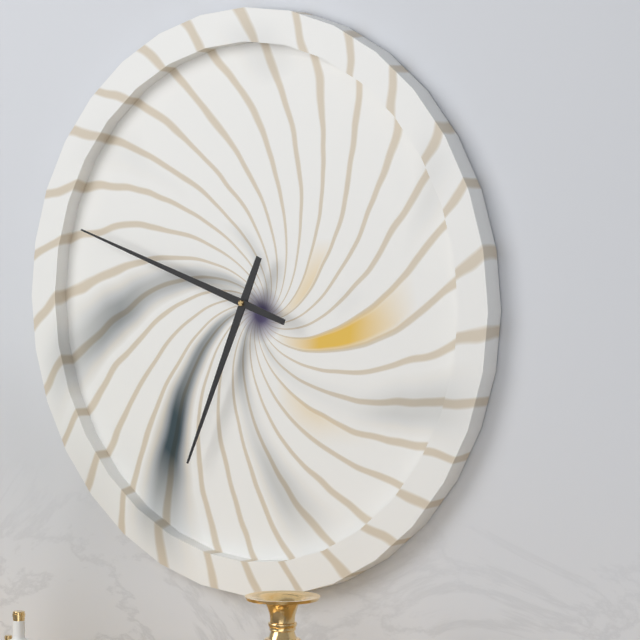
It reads 6,48
